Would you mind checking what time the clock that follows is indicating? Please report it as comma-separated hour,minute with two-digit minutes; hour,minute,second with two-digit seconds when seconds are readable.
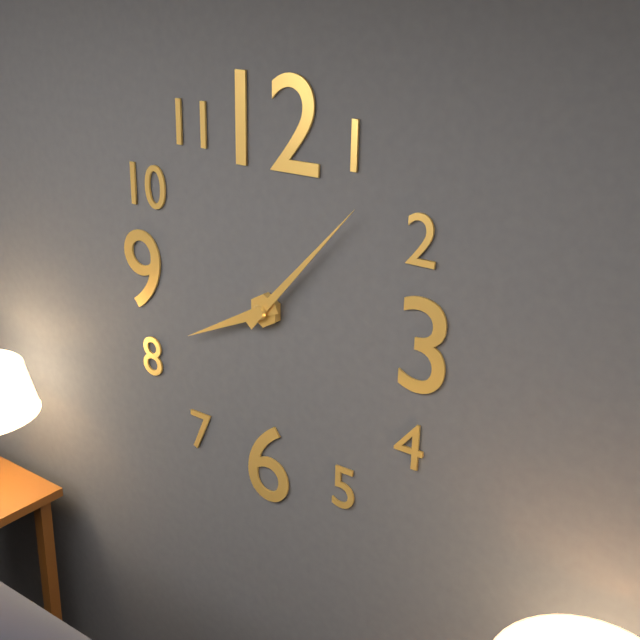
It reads 8,07
